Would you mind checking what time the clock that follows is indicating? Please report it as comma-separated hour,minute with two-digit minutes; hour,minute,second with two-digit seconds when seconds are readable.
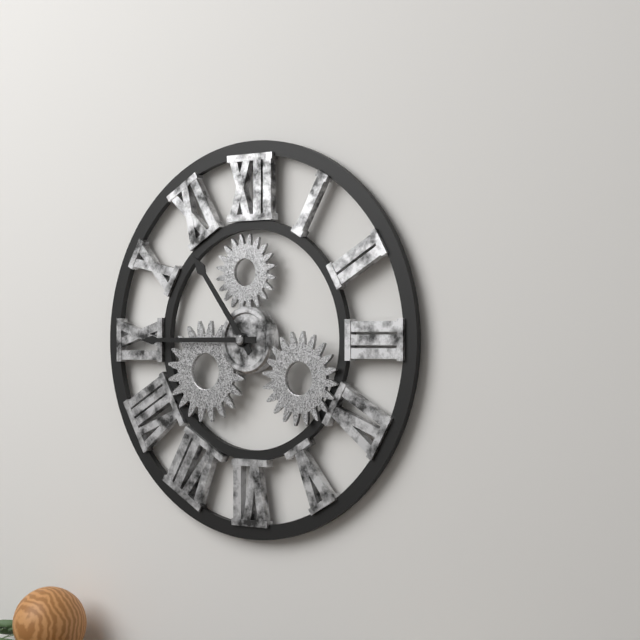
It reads 10,45
